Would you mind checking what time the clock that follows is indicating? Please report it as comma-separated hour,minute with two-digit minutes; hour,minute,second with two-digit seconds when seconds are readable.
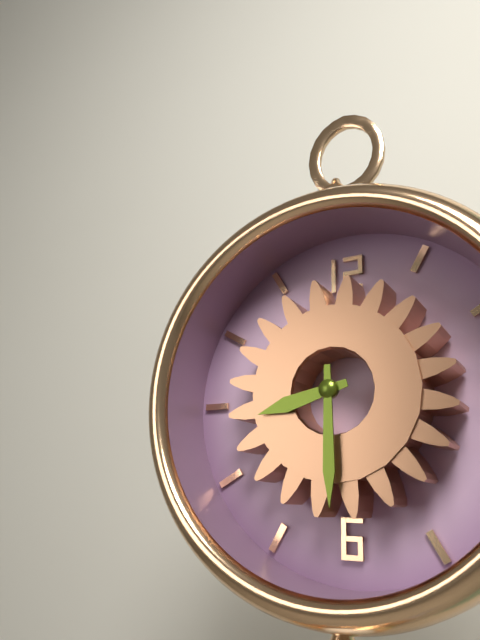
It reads 8,30
